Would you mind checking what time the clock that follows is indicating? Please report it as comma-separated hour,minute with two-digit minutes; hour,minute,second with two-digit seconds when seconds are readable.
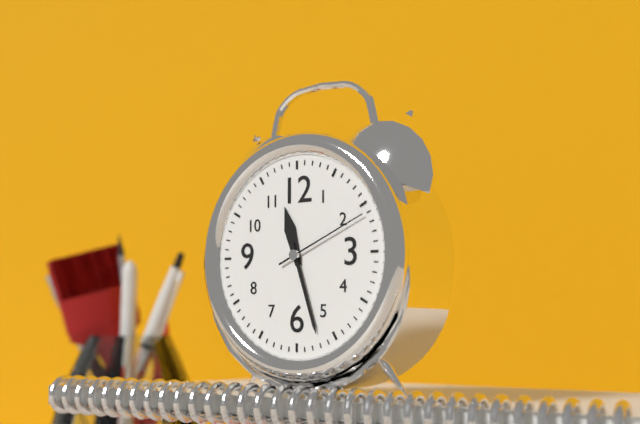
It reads 11,27,11
